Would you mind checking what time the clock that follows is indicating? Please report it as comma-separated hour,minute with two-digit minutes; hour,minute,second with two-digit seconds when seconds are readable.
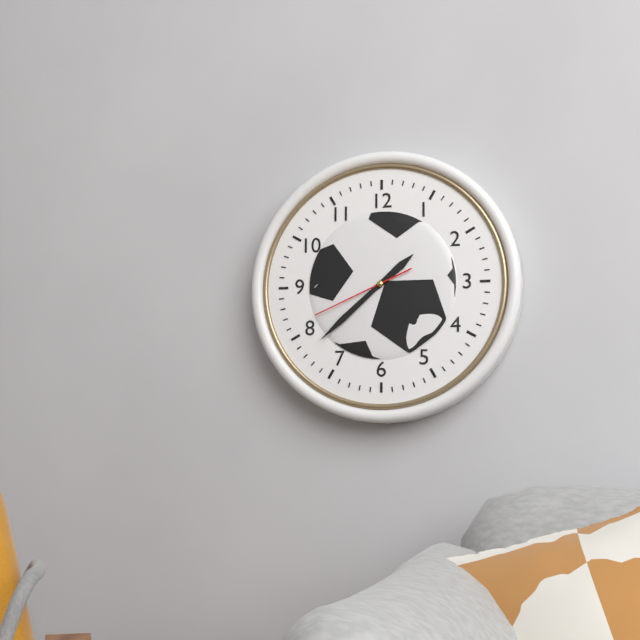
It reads 1,38,41
